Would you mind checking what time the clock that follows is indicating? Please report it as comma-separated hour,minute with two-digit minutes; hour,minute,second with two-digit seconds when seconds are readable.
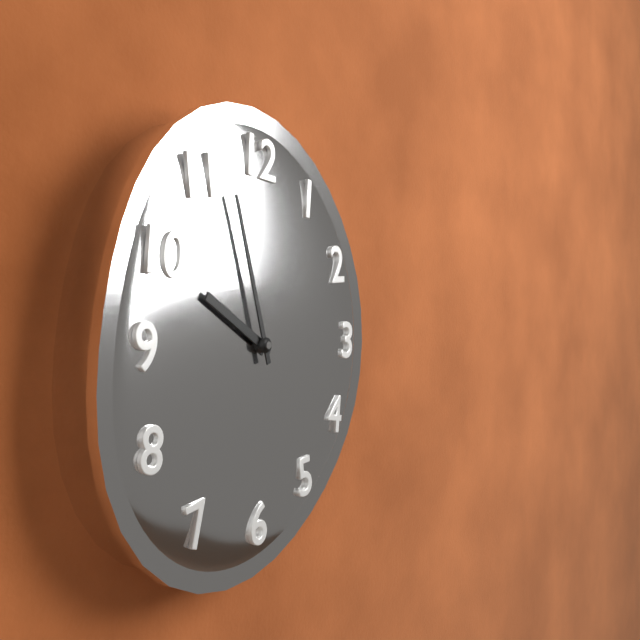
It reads 9,57
